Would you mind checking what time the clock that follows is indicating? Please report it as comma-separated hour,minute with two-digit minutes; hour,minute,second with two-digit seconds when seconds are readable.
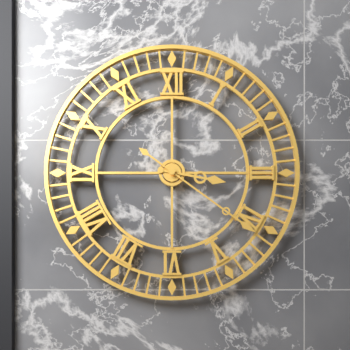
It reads 3,21
